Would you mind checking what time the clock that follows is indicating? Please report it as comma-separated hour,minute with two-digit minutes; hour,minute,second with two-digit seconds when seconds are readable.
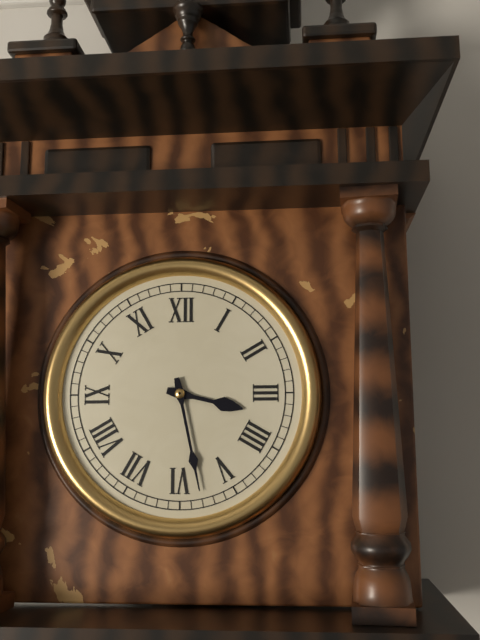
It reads 3,28
